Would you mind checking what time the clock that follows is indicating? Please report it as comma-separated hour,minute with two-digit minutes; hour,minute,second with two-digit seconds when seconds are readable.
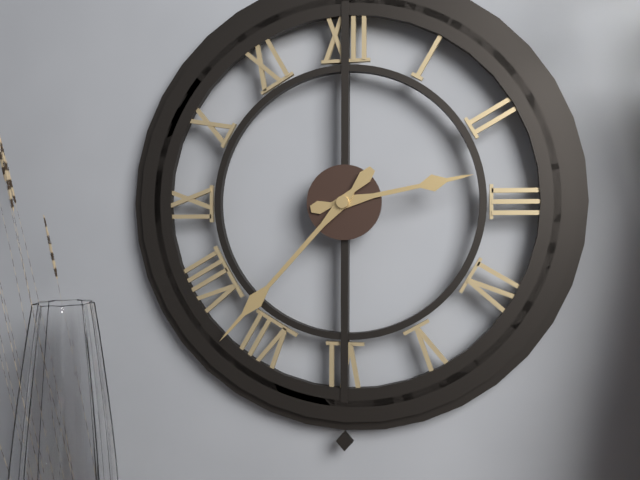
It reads 2,37
